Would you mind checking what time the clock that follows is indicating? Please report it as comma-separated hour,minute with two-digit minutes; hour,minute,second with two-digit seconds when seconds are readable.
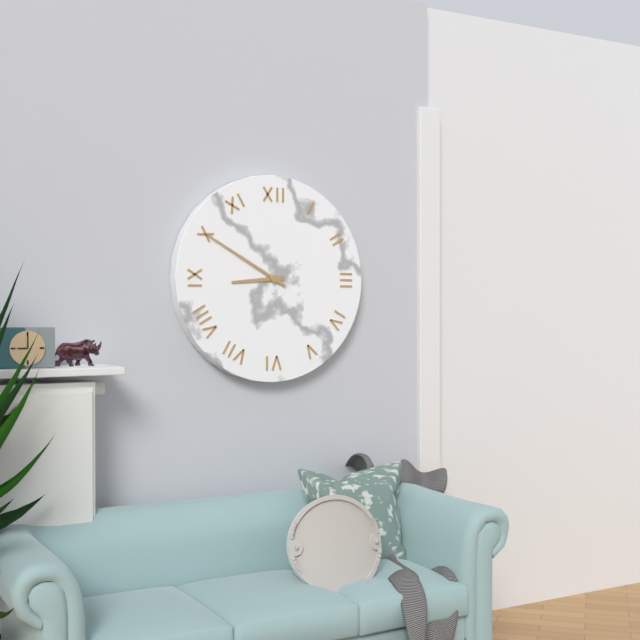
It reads 8,50
